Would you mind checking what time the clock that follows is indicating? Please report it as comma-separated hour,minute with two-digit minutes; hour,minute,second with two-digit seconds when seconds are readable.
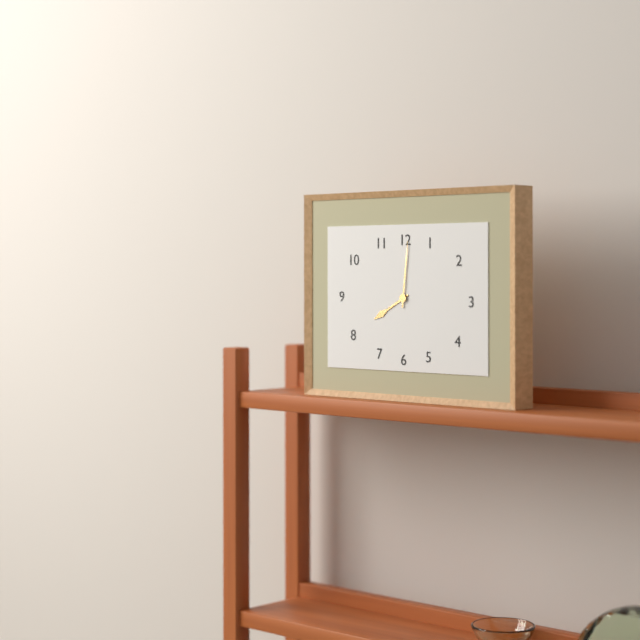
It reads 8,01
